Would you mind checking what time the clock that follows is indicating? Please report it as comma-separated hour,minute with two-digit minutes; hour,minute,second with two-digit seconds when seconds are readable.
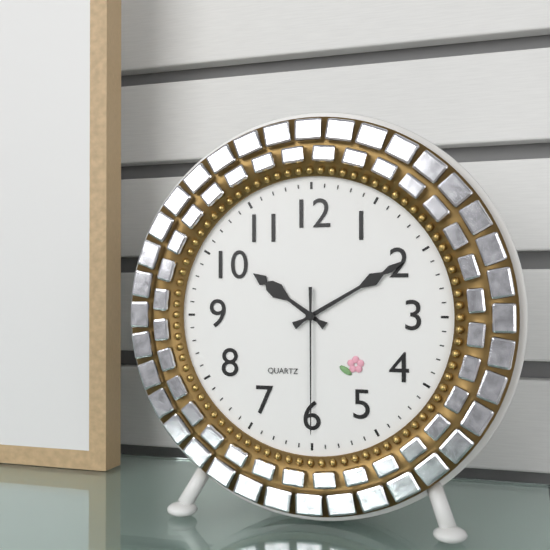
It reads 10,10,30
